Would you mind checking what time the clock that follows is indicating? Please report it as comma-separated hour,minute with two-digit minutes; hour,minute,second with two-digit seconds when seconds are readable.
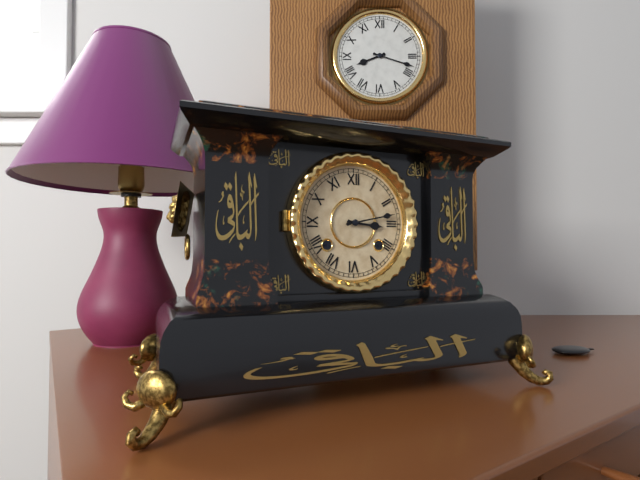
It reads 3,13
